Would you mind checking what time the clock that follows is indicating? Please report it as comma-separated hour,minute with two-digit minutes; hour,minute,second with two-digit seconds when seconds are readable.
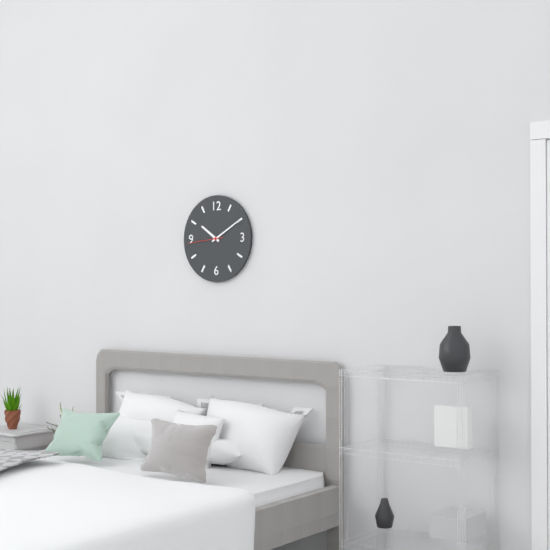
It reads 10,10
